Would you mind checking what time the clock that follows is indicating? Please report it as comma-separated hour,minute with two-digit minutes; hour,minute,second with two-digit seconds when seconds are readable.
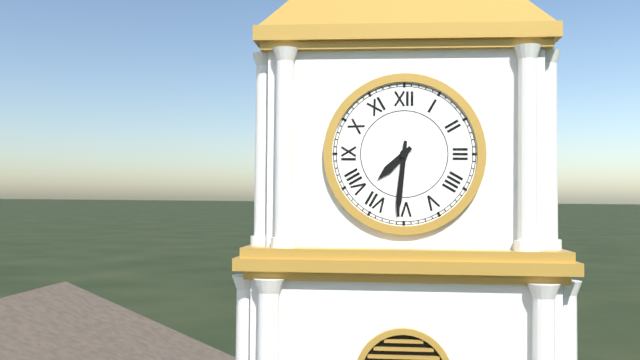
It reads 7,31
